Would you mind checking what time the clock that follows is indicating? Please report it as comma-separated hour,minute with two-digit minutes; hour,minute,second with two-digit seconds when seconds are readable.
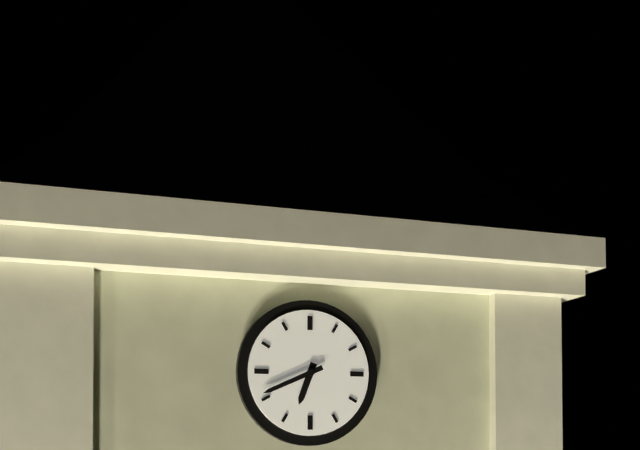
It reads 6,41
